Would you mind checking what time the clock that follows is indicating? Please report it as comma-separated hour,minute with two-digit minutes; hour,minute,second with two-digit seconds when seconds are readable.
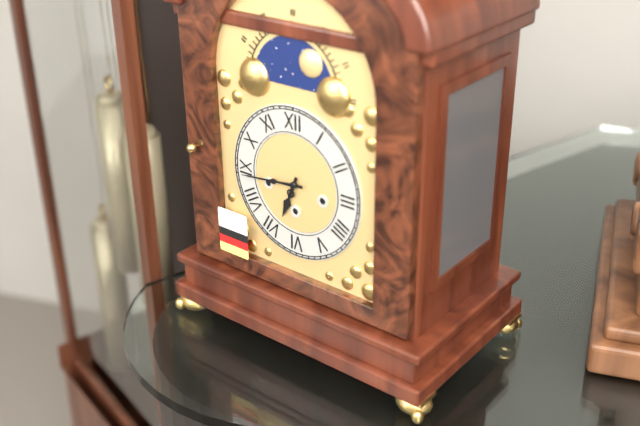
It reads 6,44
